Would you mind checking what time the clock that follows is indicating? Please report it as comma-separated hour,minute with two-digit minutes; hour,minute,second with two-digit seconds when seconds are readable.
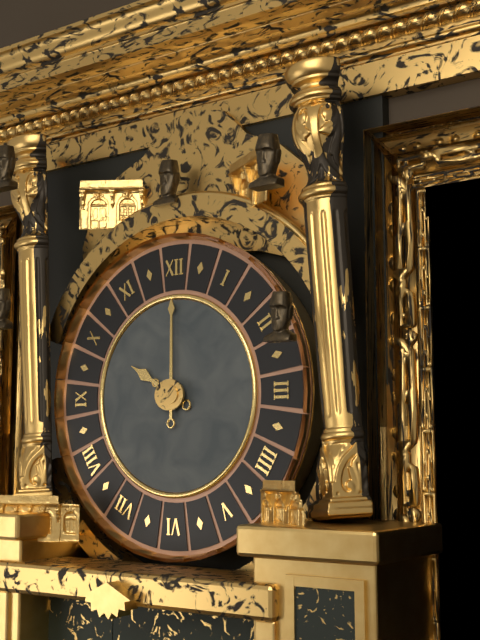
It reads 10,00
